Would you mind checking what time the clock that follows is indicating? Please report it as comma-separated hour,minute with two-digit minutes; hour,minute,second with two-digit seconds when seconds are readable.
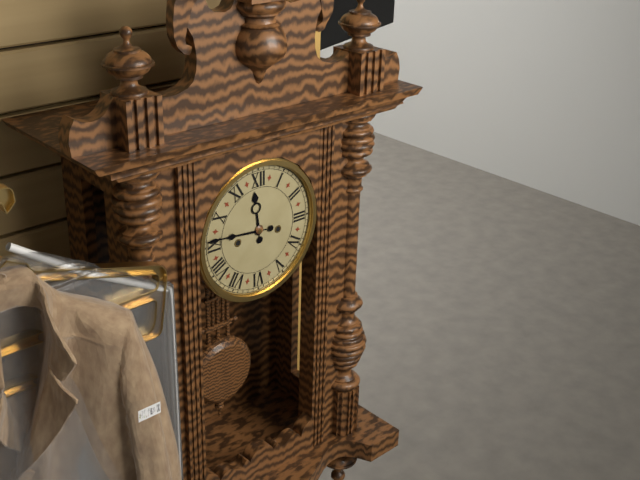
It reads 11,46
